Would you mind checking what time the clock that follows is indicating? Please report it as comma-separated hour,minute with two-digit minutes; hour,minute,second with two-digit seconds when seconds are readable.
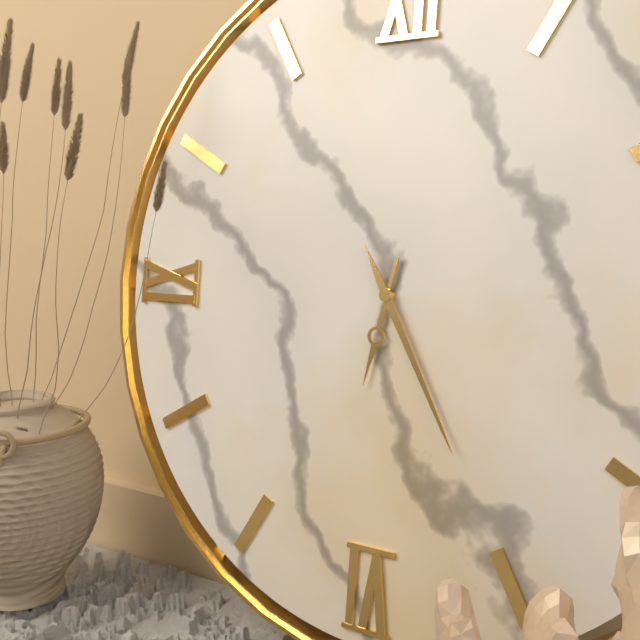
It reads 6,25
